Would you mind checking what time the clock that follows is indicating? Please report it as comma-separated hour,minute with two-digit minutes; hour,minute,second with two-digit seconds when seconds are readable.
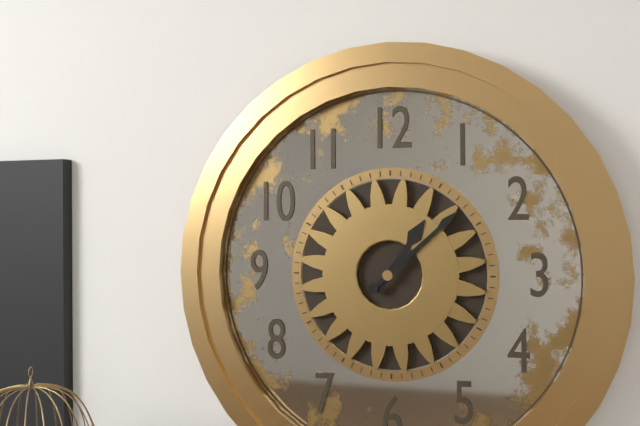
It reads 1,08
